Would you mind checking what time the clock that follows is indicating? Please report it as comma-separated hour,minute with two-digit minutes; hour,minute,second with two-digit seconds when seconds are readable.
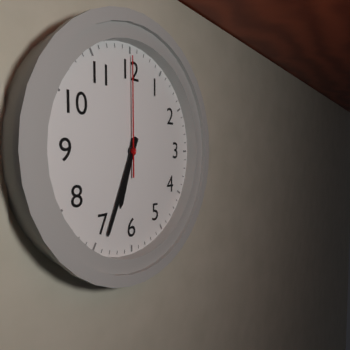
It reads 6,34,00
